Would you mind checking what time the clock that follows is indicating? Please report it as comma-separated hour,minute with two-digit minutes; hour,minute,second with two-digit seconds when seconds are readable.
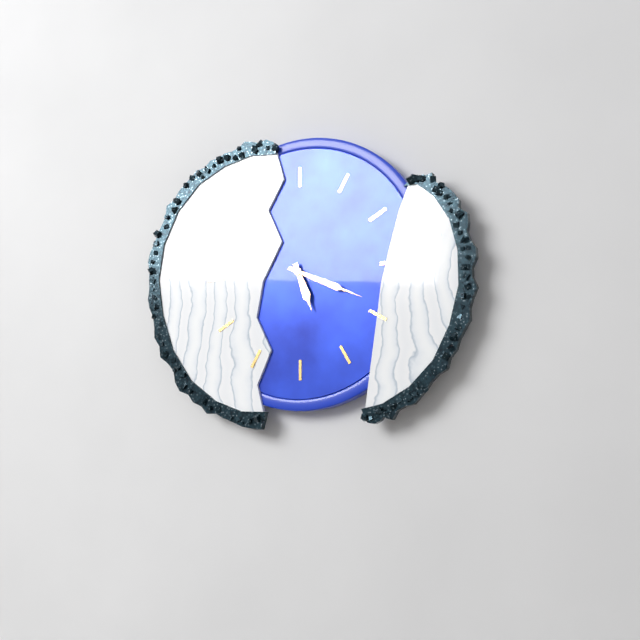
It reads 5,19
